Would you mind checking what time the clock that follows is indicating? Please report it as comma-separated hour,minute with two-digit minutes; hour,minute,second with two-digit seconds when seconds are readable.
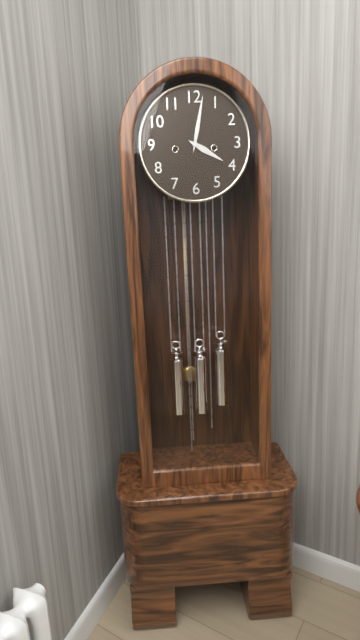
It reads 4,02
